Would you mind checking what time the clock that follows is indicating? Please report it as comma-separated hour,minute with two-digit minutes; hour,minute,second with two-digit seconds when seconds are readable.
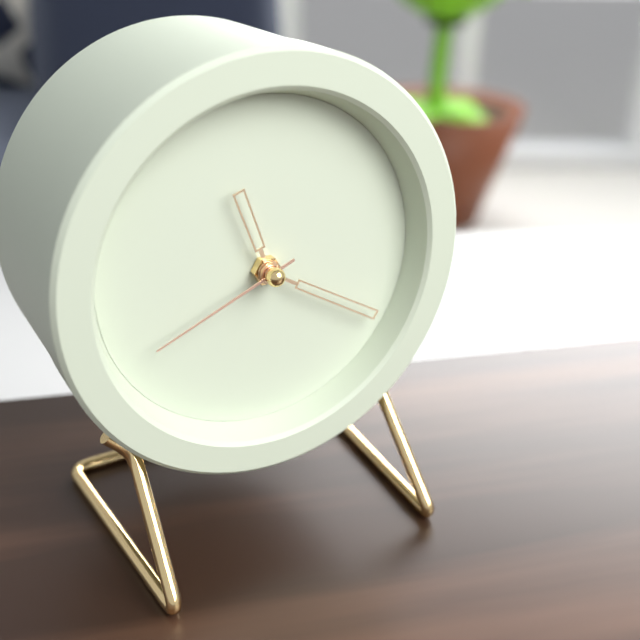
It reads 11,20,41
